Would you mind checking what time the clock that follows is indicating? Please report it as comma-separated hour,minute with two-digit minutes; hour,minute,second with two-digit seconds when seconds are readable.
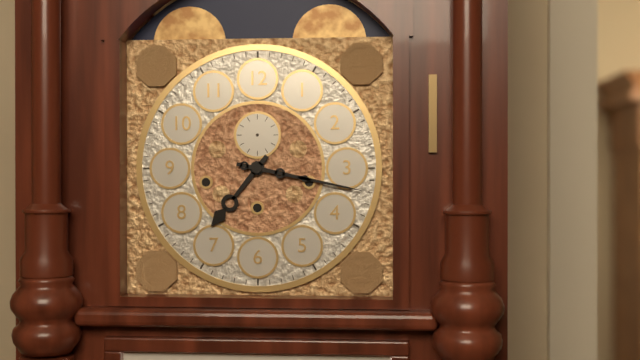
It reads 7,17
